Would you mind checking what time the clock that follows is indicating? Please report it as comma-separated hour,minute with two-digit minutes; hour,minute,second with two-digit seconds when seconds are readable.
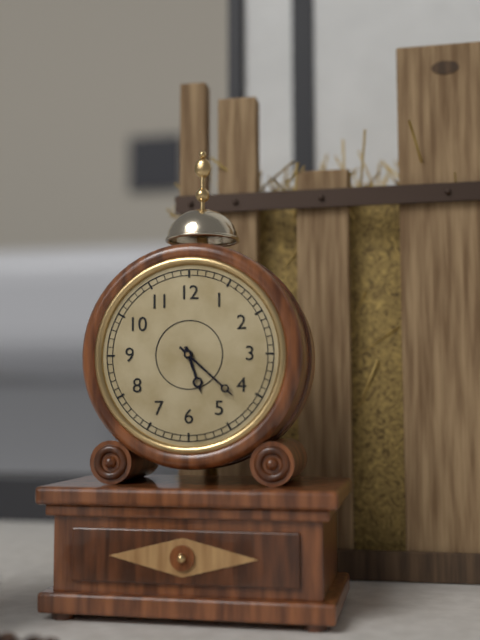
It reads 5,22
